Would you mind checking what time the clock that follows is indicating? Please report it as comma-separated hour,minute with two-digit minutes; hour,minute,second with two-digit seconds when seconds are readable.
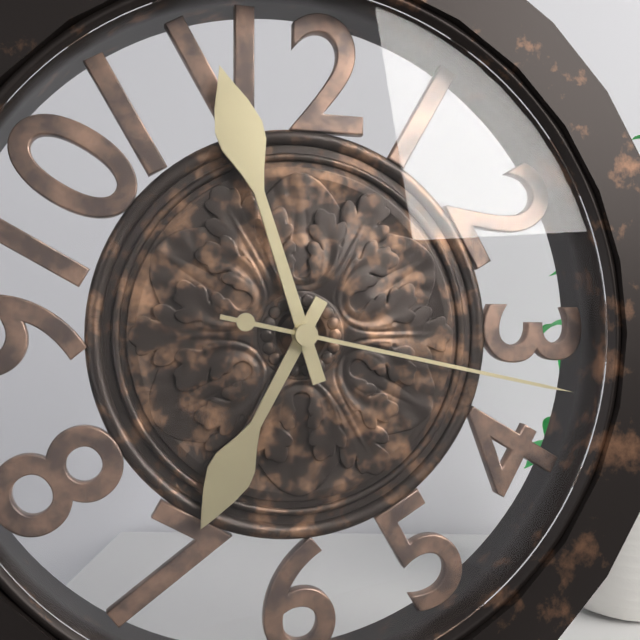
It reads 6,57,17
